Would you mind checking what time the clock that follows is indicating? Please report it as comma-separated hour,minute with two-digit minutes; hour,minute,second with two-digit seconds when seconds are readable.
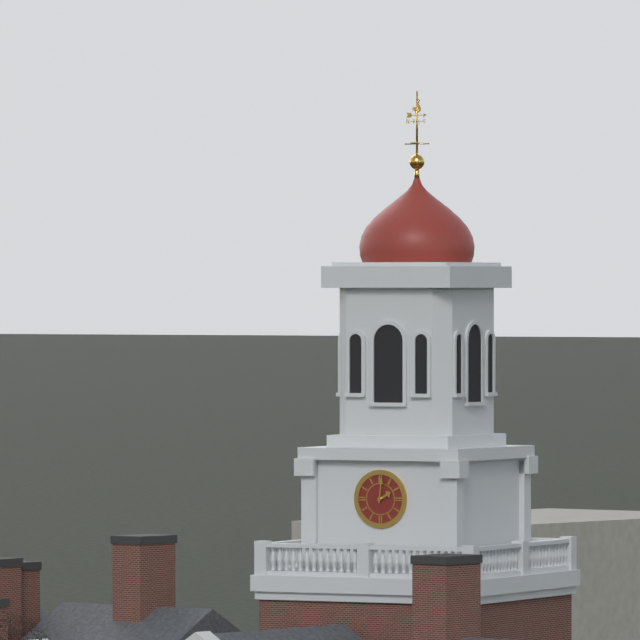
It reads 2,01
